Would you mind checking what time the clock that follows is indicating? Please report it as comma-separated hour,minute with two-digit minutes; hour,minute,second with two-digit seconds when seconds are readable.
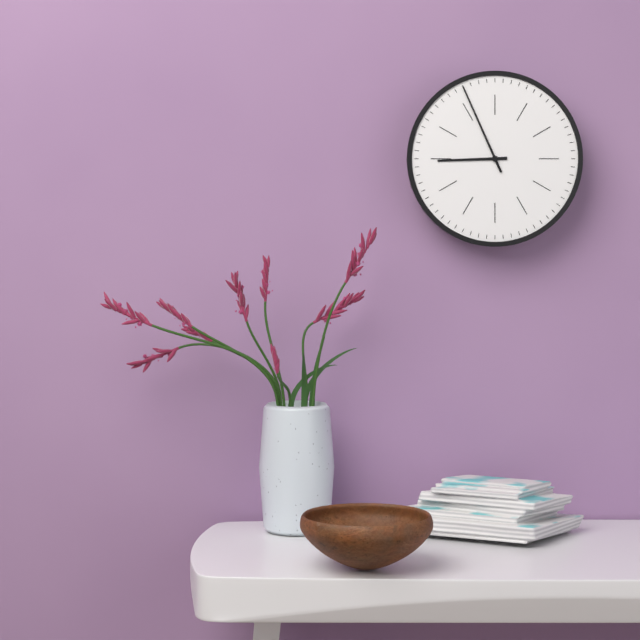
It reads 8,56
